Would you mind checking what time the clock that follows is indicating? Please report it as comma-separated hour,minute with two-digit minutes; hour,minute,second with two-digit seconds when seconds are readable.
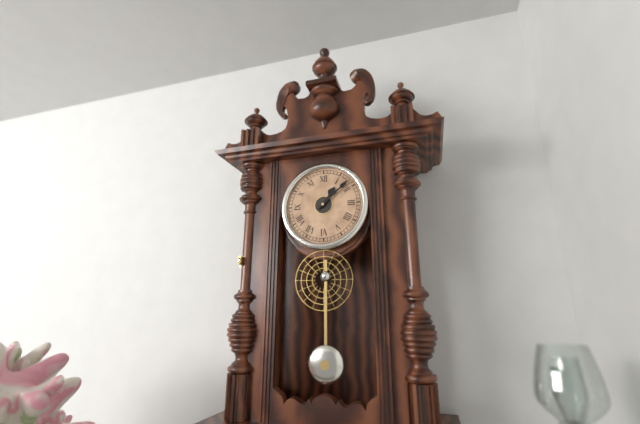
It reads 1,08
